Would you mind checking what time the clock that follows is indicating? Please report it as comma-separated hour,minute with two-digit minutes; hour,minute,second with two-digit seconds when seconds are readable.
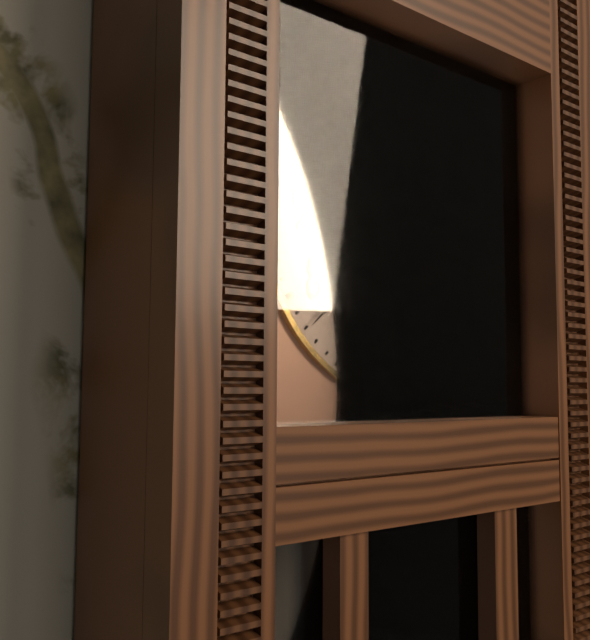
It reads 4,38
